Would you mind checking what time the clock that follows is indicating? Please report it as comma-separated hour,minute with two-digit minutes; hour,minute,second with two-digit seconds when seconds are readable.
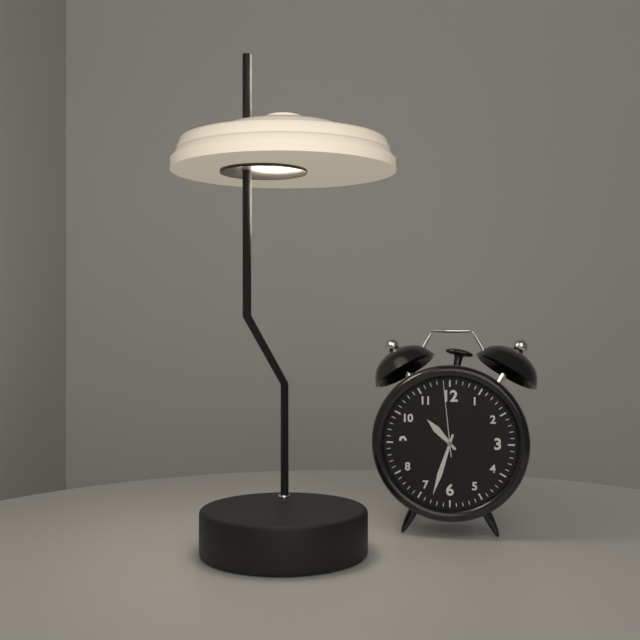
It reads 10,33,59
